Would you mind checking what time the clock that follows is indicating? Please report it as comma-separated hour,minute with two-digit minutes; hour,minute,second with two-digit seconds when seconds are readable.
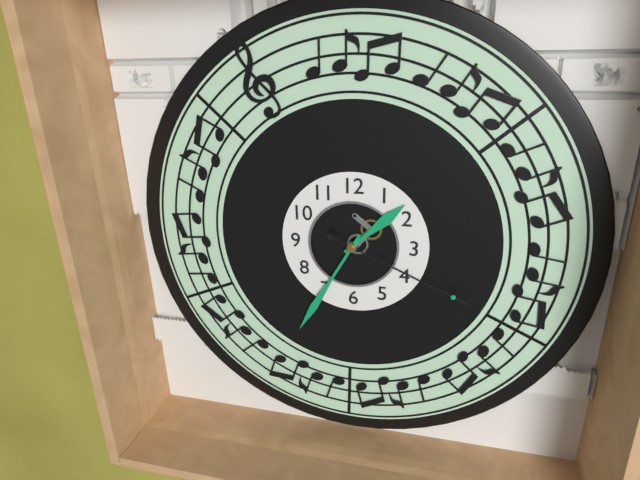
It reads 1,35,19
